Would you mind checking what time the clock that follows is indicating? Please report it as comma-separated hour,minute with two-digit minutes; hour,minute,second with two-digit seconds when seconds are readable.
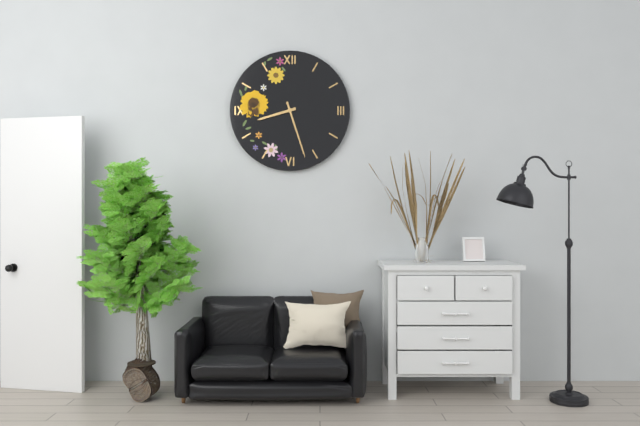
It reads 8,27
